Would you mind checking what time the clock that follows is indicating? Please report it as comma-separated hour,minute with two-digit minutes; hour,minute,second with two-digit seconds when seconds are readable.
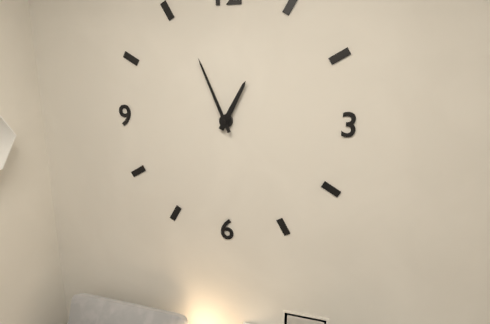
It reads 12,56
